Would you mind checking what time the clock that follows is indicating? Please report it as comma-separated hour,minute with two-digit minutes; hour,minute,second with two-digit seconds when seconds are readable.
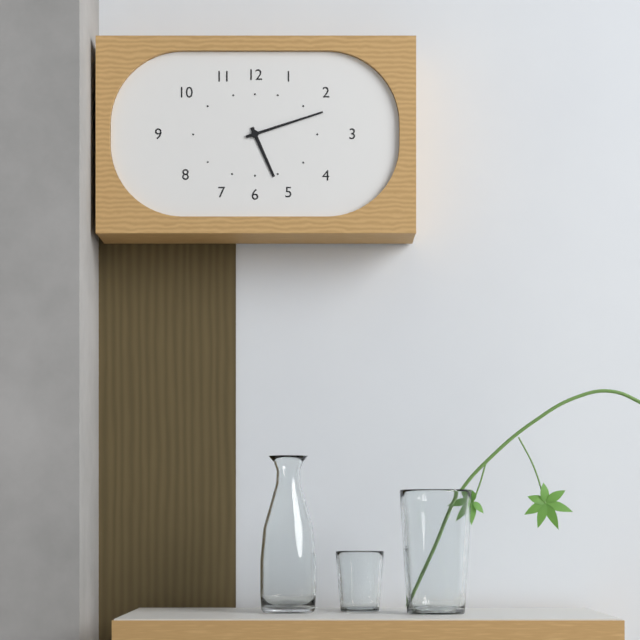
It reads 5,12
